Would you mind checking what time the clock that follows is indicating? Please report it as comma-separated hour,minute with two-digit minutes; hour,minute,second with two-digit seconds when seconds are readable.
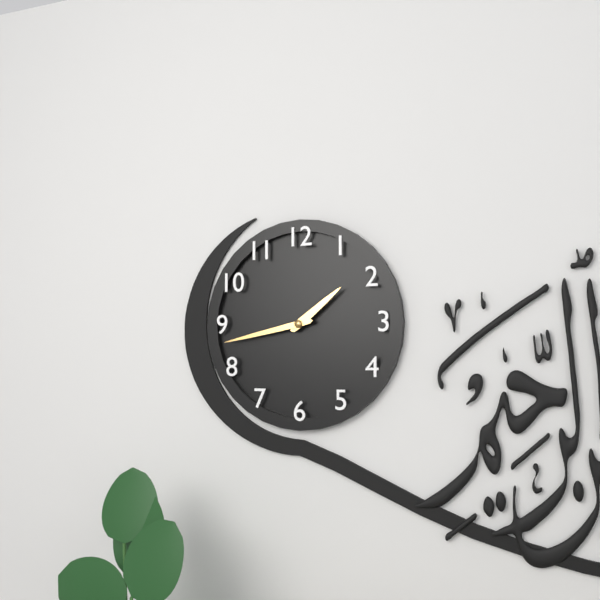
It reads 1,43
